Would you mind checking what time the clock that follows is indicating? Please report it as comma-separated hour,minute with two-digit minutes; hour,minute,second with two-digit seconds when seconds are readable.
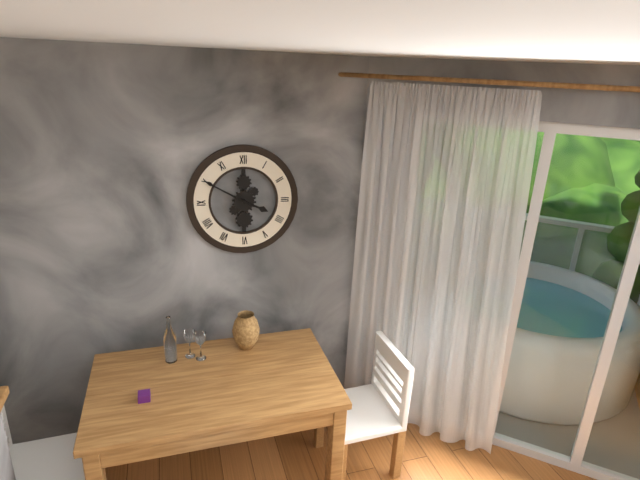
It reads 3,50
